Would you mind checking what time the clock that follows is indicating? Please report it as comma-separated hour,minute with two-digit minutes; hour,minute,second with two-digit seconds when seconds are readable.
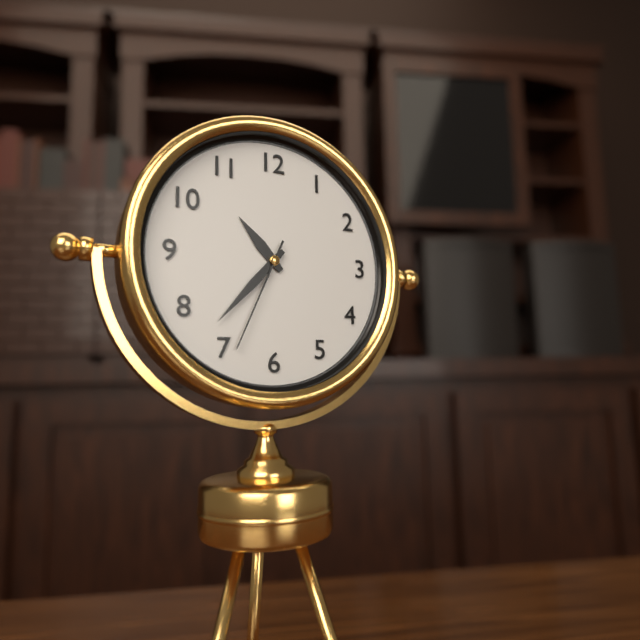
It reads 10,37,34
